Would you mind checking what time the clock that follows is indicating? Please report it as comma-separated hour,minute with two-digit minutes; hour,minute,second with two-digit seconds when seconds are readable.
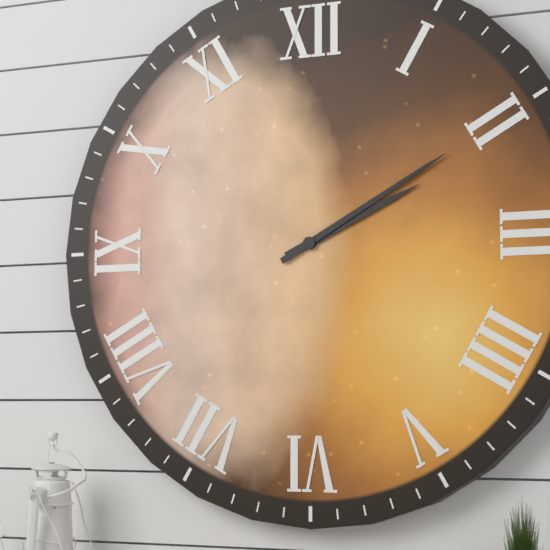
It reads 2,10
